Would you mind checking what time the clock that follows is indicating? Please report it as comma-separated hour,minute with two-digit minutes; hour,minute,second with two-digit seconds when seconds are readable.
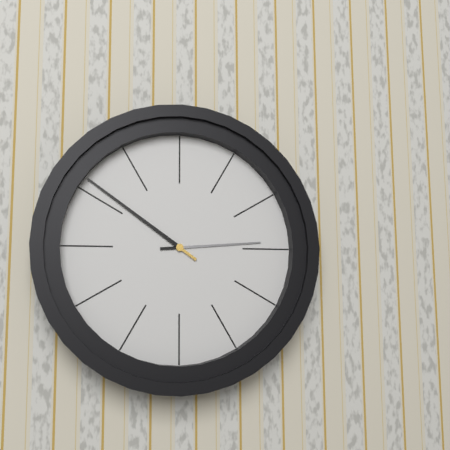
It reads 2,51
